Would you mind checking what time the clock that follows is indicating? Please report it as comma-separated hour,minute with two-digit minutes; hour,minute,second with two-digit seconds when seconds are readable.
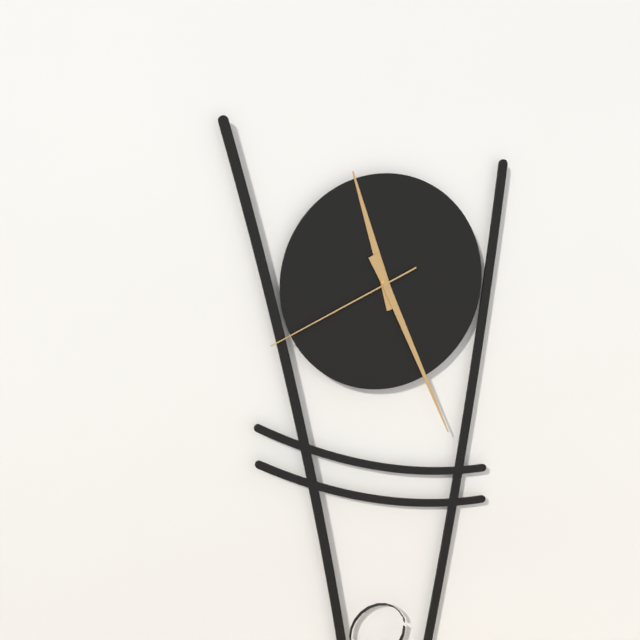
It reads 11,26,41
